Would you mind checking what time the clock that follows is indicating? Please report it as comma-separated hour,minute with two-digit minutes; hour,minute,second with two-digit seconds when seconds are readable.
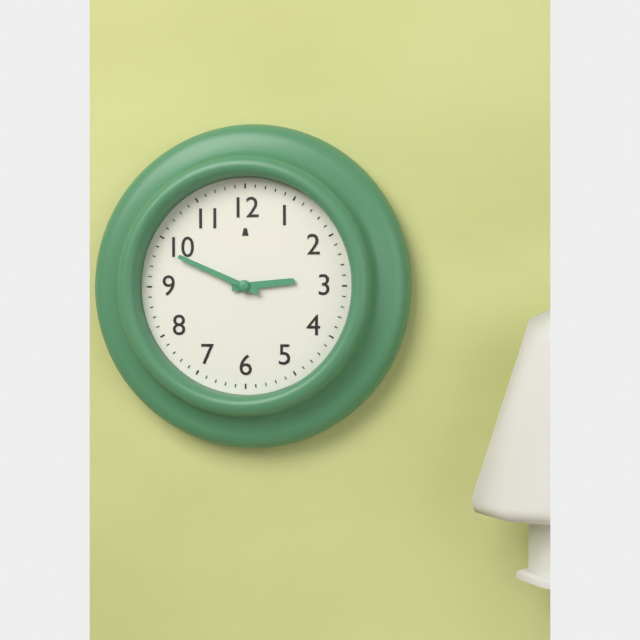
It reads 2,49
